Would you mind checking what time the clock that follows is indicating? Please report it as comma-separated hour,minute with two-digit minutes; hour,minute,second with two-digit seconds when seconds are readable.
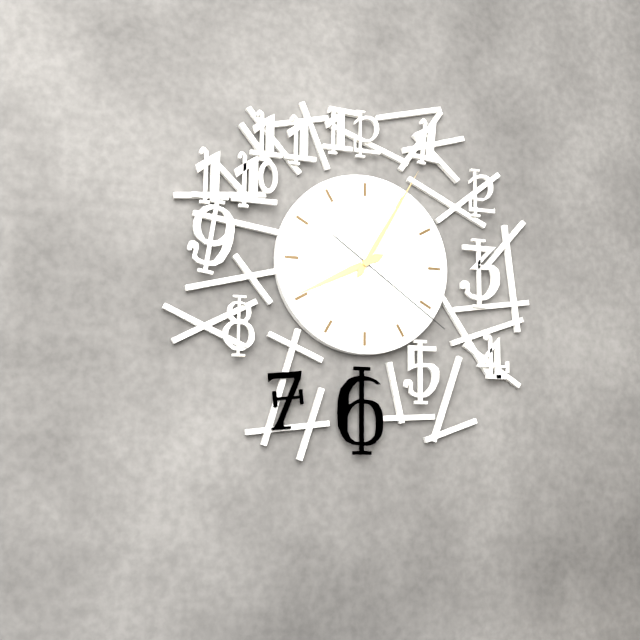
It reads 8,05,21
